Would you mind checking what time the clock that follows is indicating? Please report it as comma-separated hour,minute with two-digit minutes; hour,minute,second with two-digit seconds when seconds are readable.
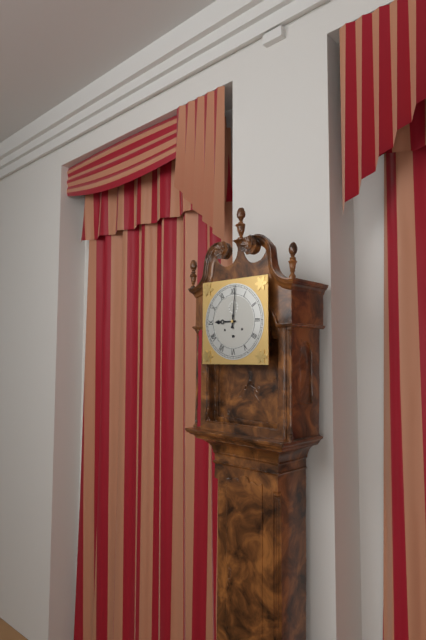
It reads 9,01
